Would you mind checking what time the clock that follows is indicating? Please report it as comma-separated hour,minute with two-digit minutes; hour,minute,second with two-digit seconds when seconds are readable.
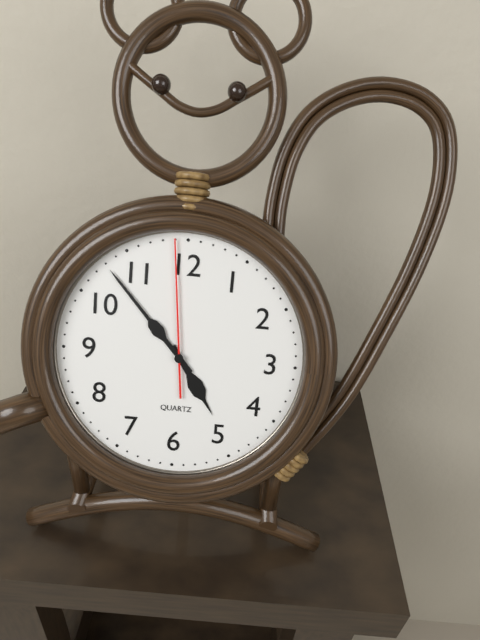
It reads 4,53,59
